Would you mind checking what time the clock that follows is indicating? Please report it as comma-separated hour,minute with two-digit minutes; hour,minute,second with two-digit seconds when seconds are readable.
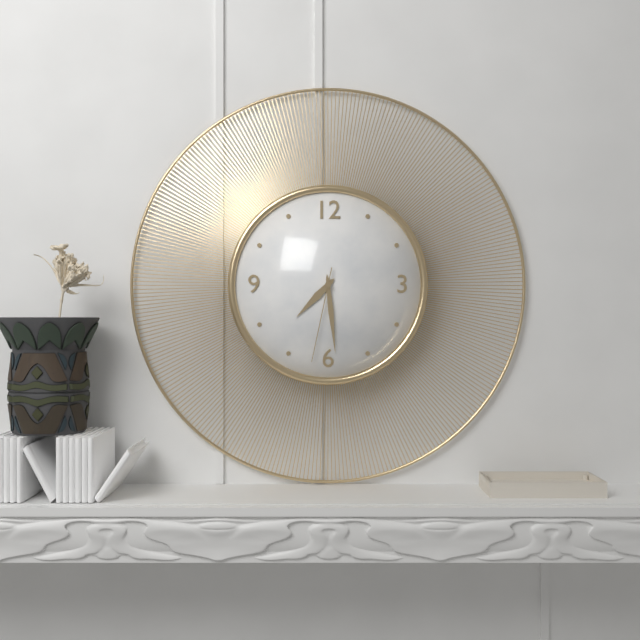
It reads 7,29,32
